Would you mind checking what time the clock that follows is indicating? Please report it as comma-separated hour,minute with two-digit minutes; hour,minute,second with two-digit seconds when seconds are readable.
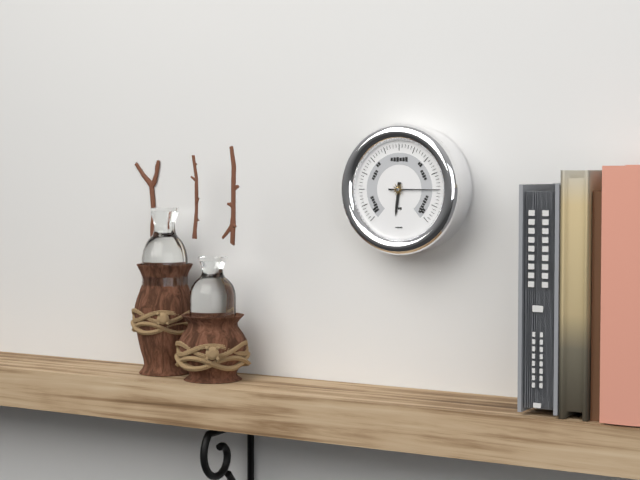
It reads 6,15
